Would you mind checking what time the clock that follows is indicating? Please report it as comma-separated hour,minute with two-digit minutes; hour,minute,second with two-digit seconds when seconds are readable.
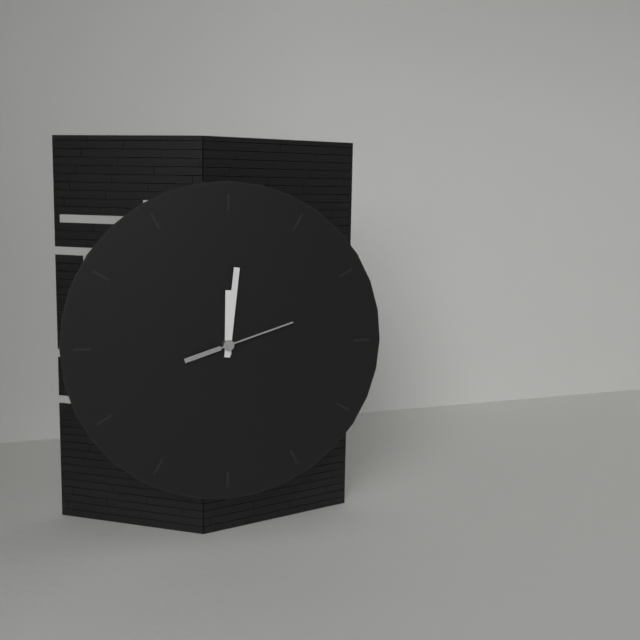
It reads 12,01,12
